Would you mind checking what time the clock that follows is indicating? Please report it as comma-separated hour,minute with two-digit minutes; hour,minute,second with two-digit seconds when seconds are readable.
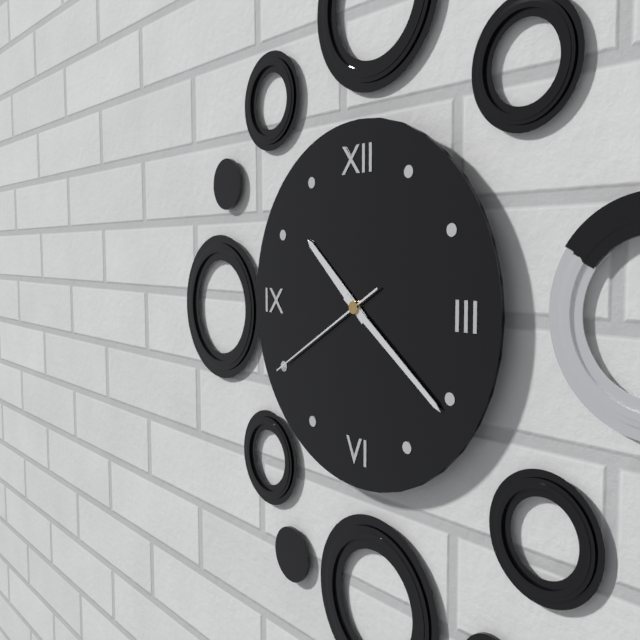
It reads 10,21,40
